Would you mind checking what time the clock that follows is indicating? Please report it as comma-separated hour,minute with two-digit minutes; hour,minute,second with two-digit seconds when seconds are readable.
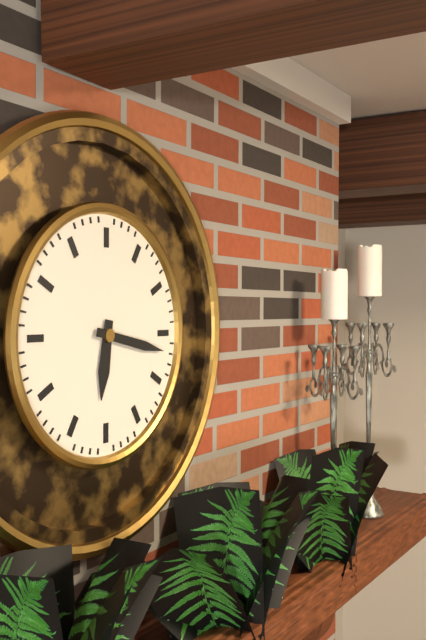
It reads 6,17
